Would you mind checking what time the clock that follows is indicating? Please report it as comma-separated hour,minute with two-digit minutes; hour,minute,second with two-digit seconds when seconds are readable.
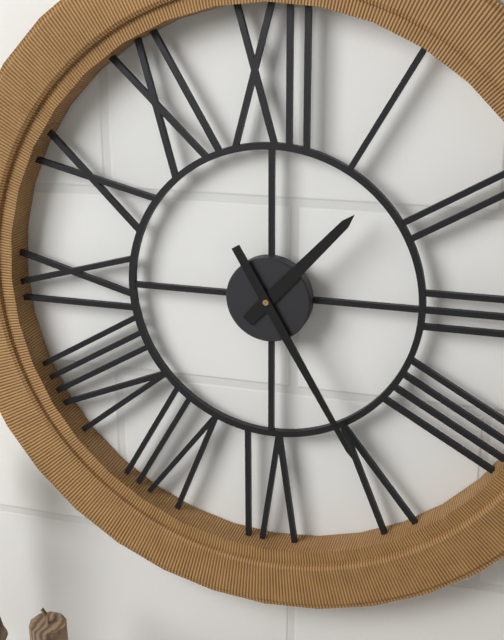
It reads 1,25
